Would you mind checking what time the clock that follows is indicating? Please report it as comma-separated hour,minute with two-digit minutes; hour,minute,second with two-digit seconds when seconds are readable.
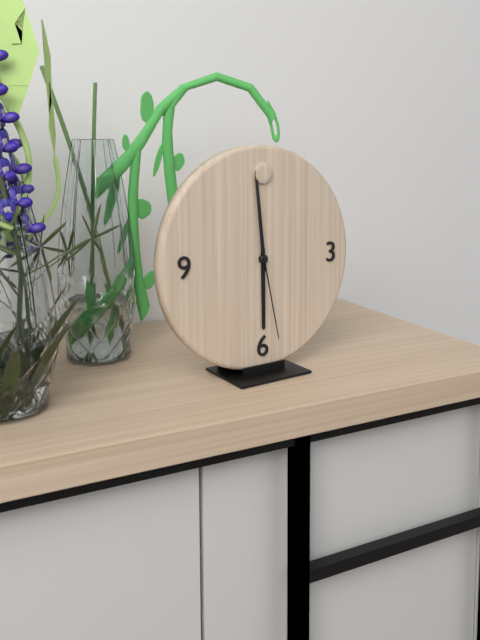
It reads 5,59,28
